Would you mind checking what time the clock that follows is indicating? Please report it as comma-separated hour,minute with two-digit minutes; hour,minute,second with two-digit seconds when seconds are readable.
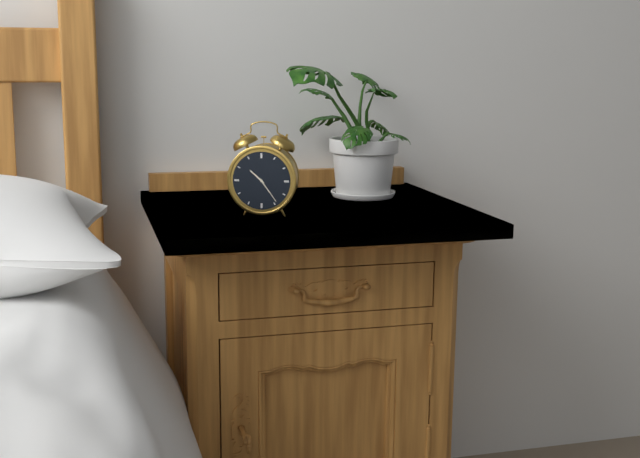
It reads 10,24
